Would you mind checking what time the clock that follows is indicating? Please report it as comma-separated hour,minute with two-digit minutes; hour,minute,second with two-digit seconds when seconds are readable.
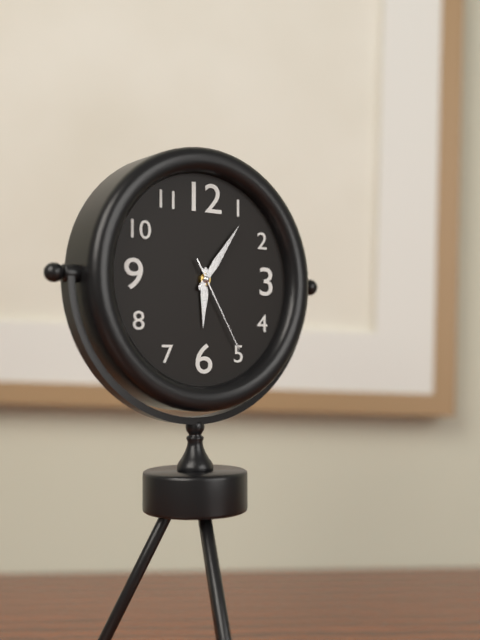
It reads 6,06,25
